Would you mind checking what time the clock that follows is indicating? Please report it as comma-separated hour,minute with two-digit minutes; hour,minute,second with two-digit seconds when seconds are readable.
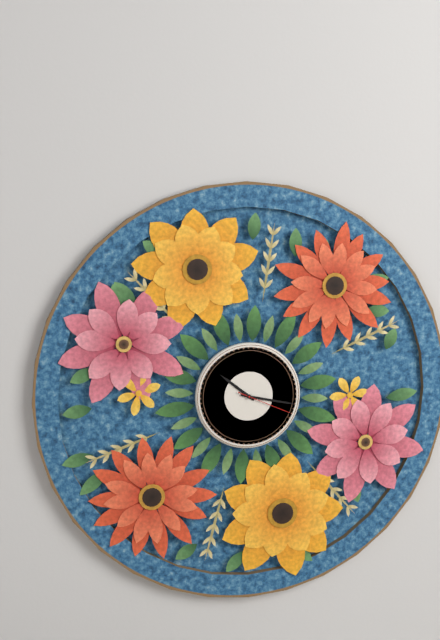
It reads 10,17,19
